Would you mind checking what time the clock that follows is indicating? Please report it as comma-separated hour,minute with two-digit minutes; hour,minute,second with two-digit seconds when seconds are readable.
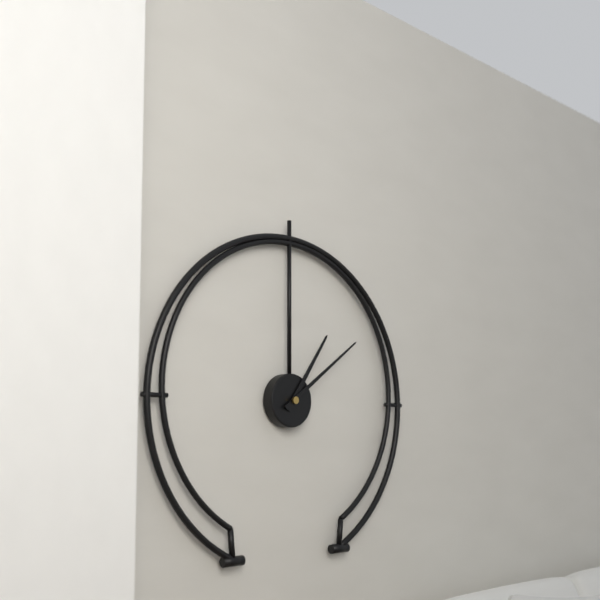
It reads 1,09
